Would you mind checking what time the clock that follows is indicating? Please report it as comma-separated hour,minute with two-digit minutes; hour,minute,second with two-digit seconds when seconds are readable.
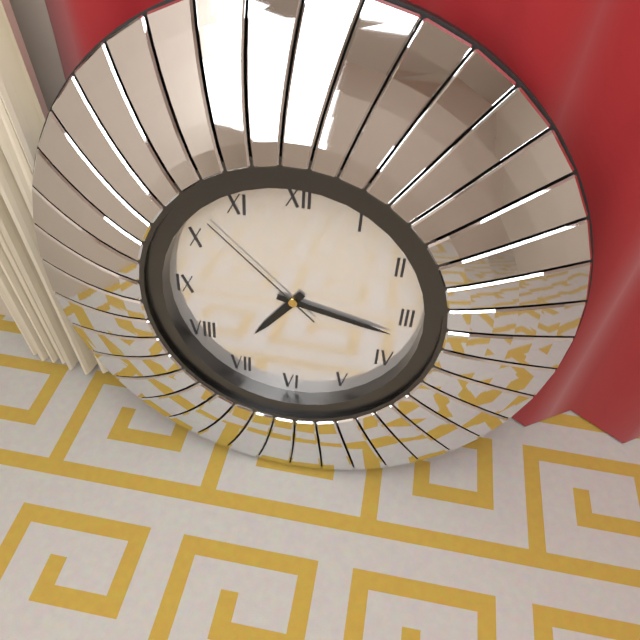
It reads 7,17,52
